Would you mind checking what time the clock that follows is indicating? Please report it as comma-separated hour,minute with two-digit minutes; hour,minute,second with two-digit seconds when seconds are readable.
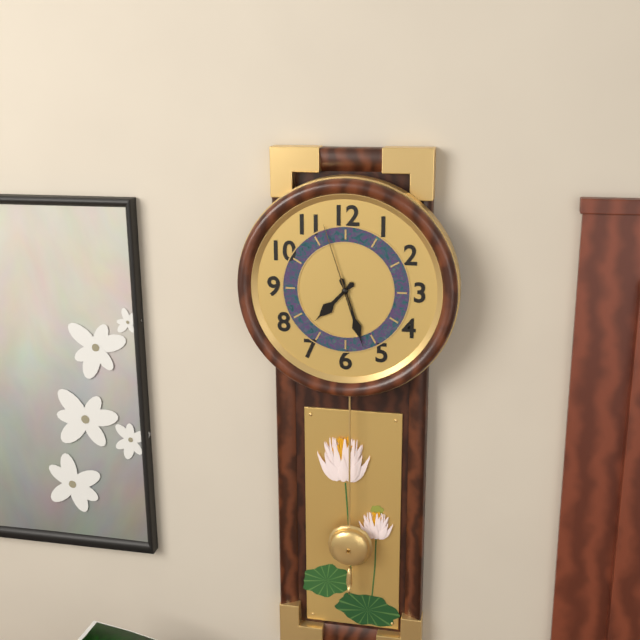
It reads 7,27,57
